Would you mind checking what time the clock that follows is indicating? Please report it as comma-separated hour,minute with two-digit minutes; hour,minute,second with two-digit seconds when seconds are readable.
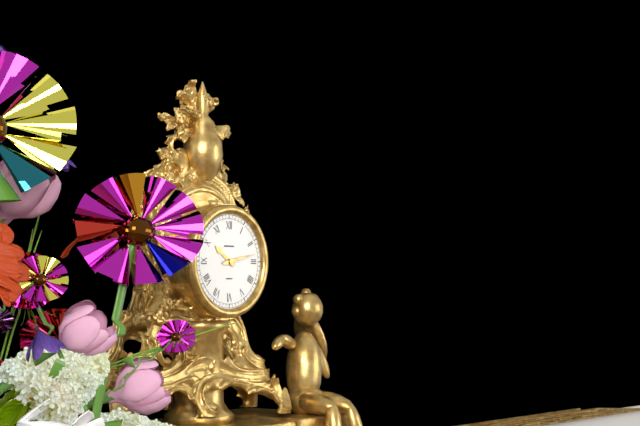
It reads 10,13
